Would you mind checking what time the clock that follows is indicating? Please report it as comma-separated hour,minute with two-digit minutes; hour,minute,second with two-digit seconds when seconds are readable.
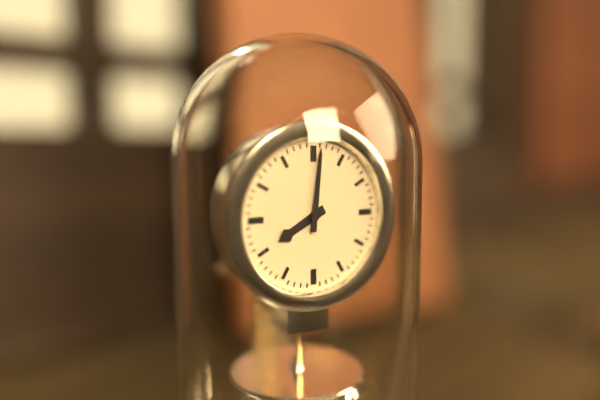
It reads 8,01
